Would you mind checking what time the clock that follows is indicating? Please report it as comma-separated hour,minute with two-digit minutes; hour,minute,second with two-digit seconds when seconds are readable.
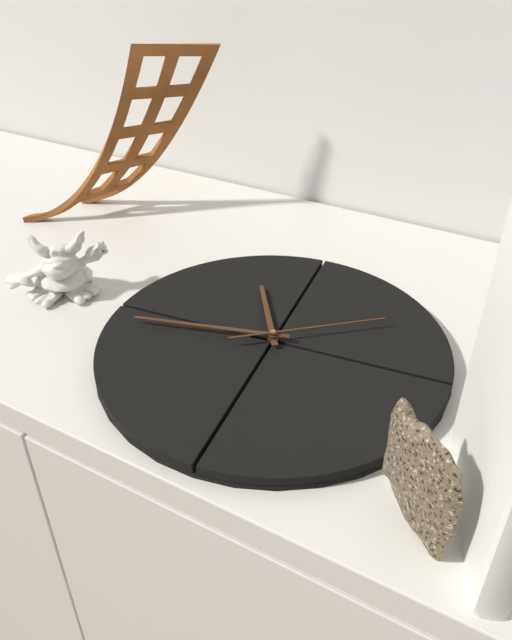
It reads 11,47,13
